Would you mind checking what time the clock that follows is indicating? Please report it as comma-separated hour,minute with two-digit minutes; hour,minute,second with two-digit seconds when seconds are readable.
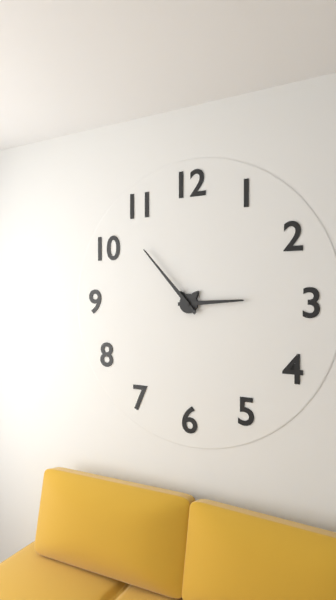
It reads 2,53
